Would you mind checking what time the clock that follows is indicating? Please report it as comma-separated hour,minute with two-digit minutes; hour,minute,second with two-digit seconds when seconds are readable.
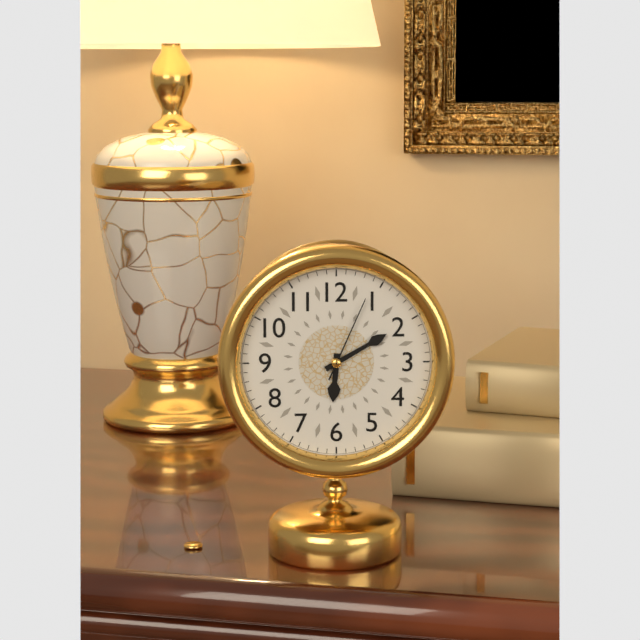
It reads 6,10,04
